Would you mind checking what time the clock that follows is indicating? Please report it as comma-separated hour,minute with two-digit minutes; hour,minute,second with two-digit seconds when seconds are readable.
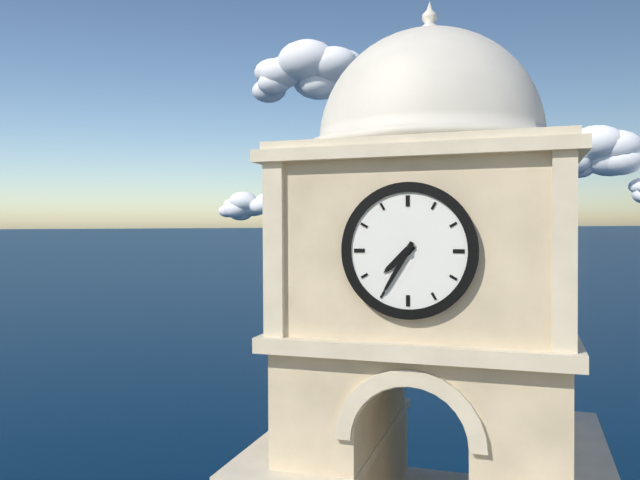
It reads 7,35
